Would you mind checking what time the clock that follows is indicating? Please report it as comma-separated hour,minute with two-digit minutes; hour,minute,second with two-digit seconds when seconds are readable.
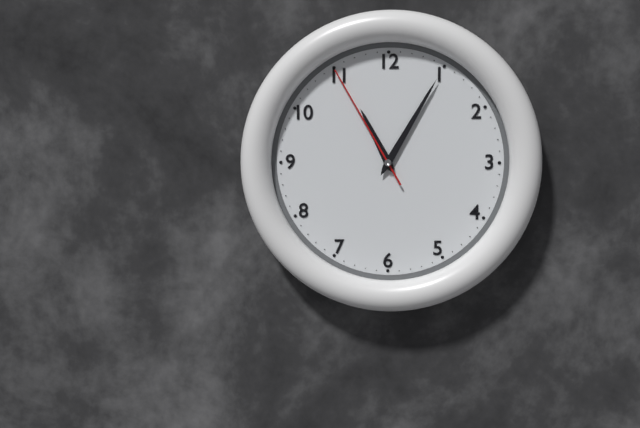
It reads 11,05,55
